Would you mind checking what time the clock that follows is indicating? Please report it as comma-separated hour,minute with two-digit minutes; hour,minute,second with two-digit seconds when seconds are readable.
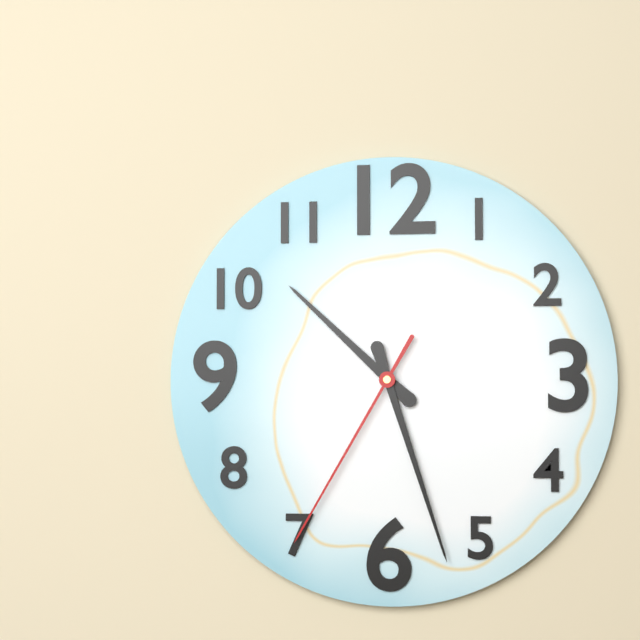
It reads 10,27,35
